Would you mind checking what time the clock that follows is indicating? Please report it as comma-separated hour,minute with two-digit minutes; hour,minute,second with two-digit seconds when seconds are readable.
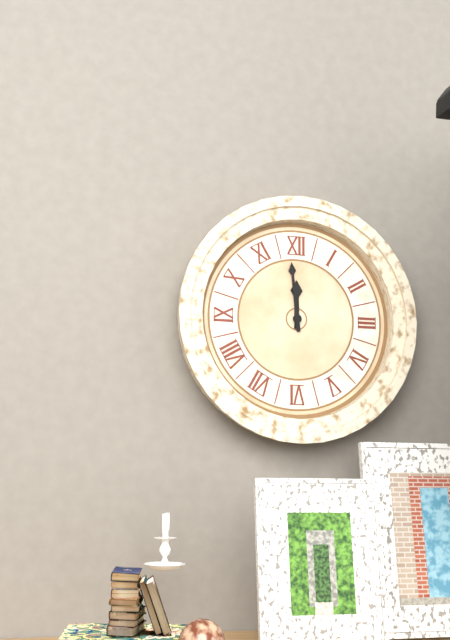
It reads 11,59
